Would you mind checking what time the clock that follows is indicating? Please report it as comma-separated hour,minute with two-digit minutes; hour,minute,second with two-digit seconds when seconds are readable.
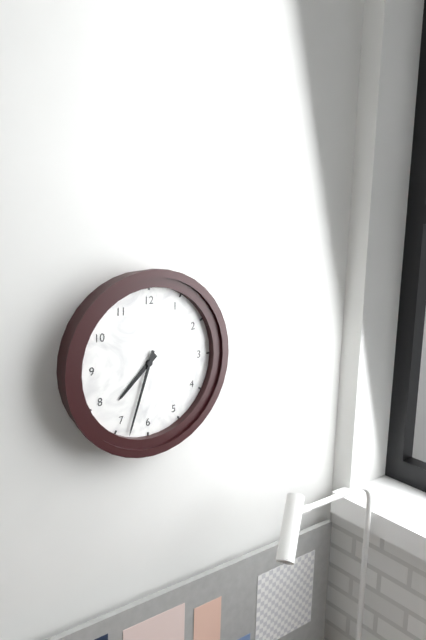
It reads 7,33
